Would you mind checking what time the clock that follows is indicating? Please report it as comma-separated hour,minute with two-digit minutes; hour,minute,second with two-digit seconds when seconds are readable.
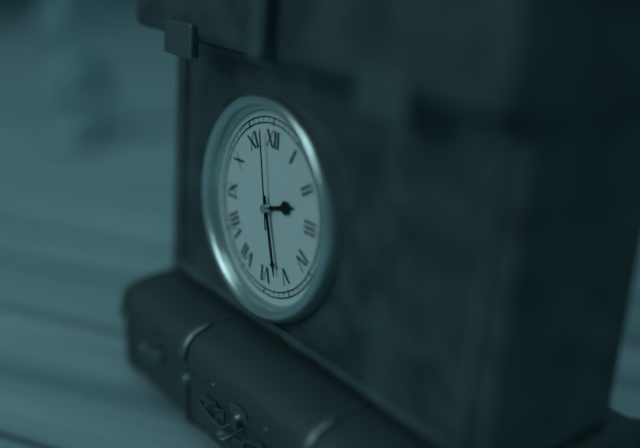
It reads 2,27,58
